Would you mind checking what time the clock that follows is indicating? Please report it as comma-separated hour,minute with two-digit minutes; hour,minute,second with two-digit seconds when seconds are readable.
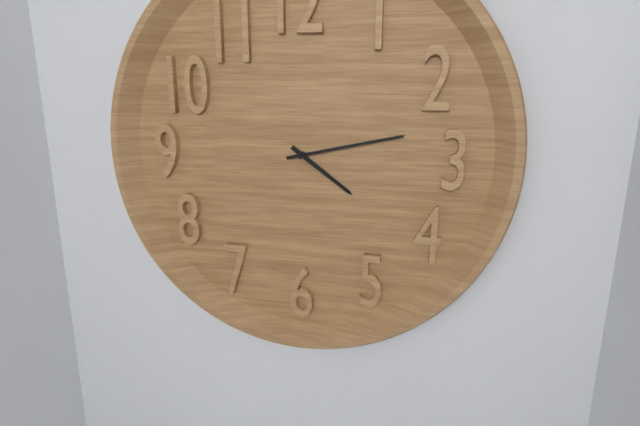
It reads 4,13
